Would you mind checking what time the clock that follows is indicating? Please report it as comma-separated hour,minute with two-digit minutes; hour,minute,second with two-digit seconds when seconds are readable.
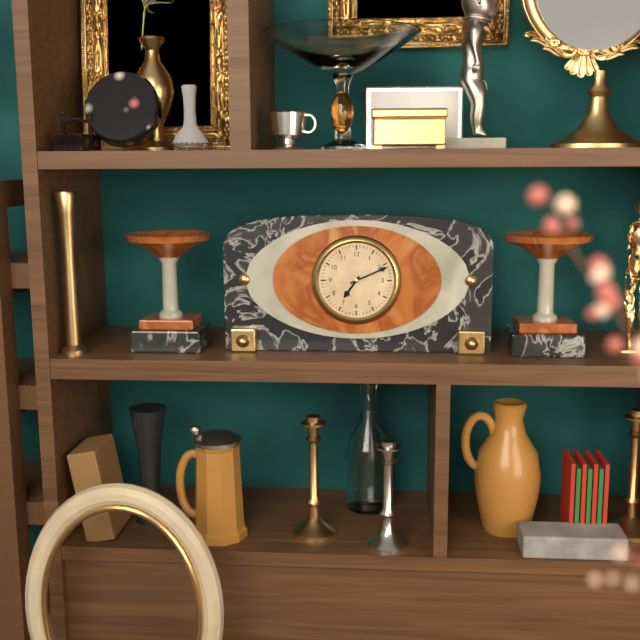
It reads 7,11
